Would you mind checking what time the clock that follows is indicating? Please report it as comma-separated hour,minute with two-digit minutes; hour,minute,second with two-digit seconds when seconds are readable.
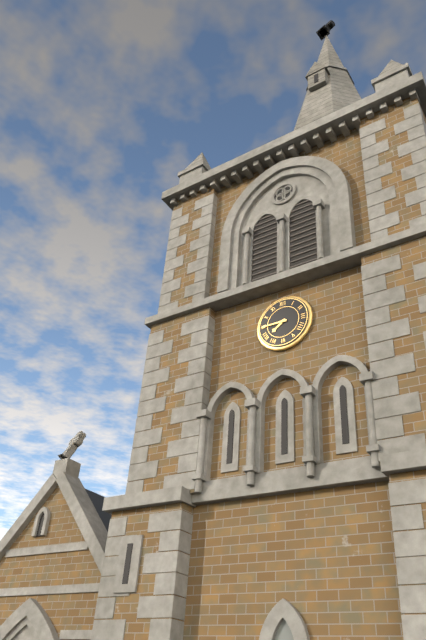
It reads 7,45
